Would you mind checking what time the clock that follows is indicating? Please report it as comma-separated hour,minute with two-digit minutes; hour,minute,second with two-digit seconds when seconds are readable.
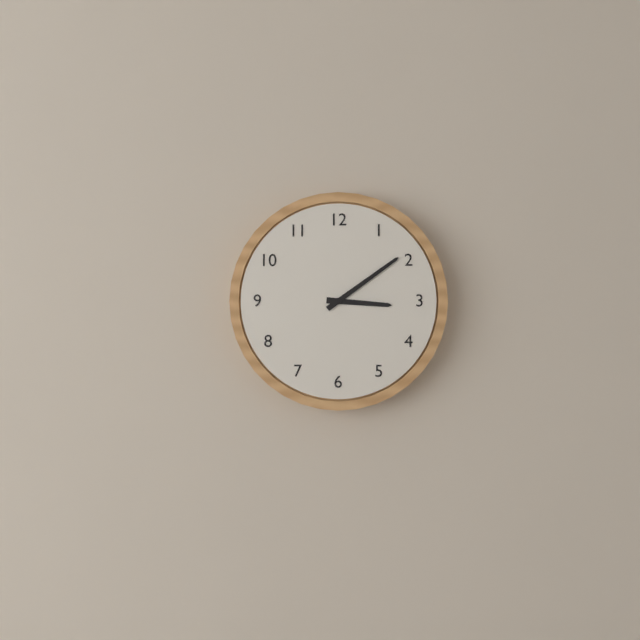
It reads 3,09
